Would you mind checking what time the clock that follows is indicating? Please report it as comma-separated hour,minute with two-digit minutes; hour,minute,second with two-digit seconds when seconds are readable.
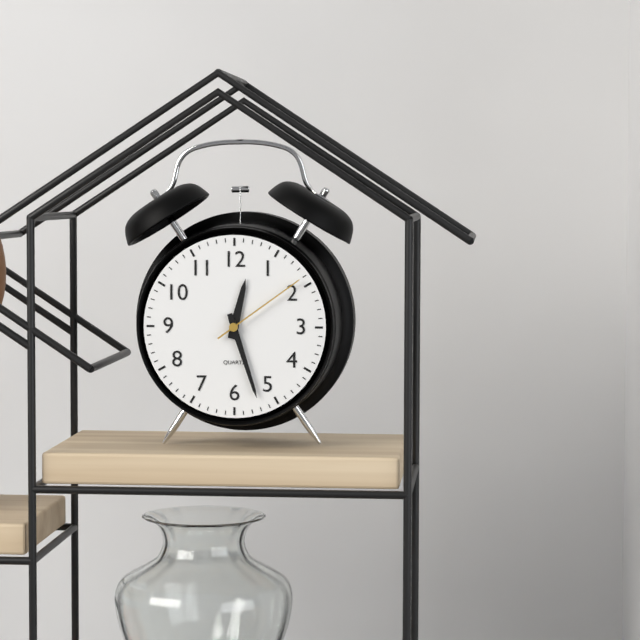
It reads 12,27,09
